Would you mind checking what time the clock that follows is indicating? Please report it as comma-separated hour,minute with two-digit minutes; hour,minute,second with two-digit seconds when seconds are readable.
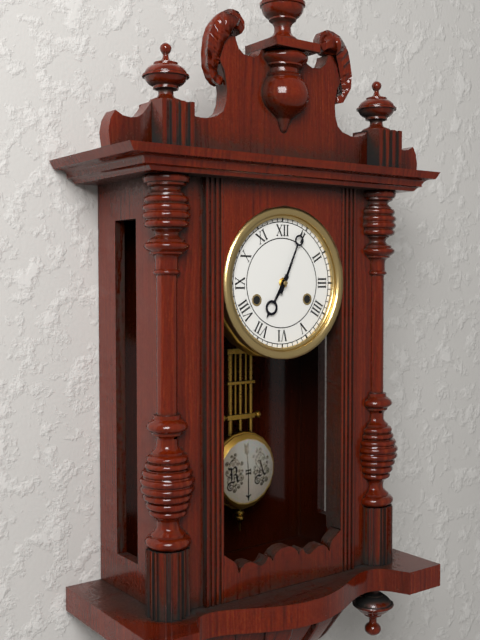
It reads 7,04
